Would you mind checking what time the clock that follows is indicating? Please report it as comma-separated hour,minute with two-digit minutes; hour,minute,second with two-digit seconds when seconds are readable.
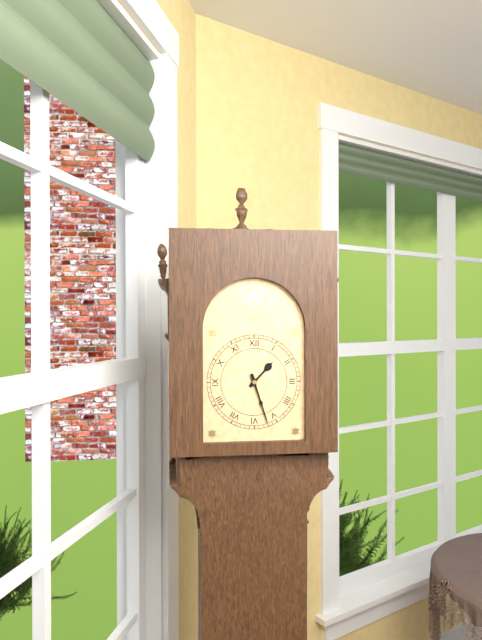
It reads 1,27
